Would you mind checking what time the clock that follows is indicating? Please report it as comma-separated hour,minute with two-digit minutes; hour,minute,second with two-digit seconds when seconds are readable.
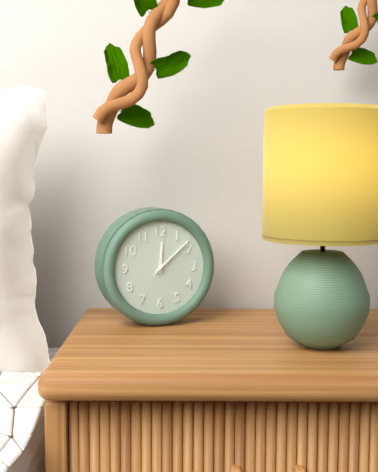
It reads 12,08,08
